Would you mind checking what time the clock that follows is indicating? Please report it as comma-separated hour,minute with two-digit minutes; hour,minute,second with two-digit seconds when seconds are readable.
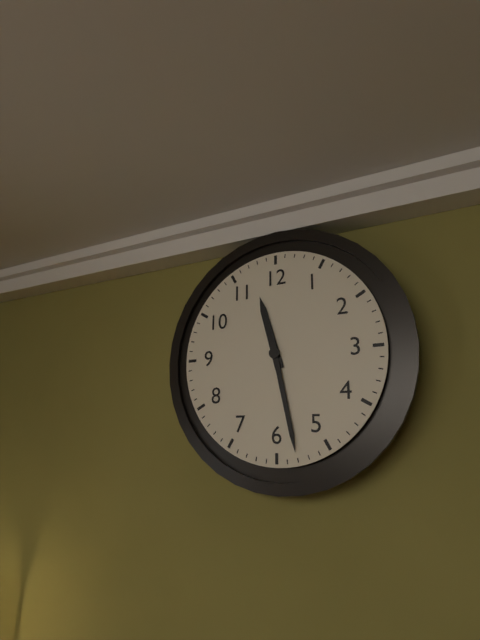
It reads 11,28
